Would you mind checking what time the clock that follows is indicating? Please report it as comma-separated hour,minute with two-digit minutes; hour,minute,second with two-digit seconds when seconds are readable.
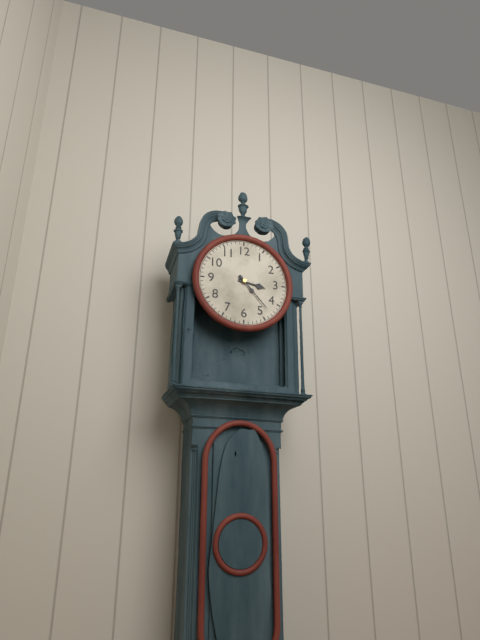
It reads 3,23
